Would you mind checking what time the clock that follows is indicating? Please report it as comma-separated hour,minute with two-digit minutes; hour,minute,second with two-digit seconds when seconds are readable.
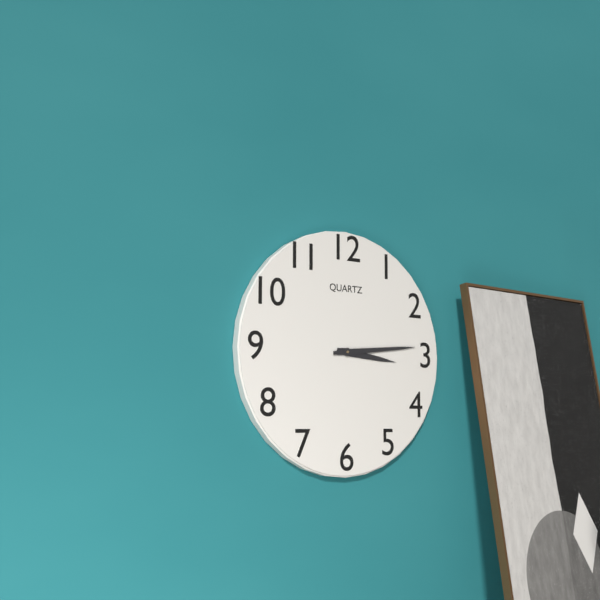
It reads 3,14
